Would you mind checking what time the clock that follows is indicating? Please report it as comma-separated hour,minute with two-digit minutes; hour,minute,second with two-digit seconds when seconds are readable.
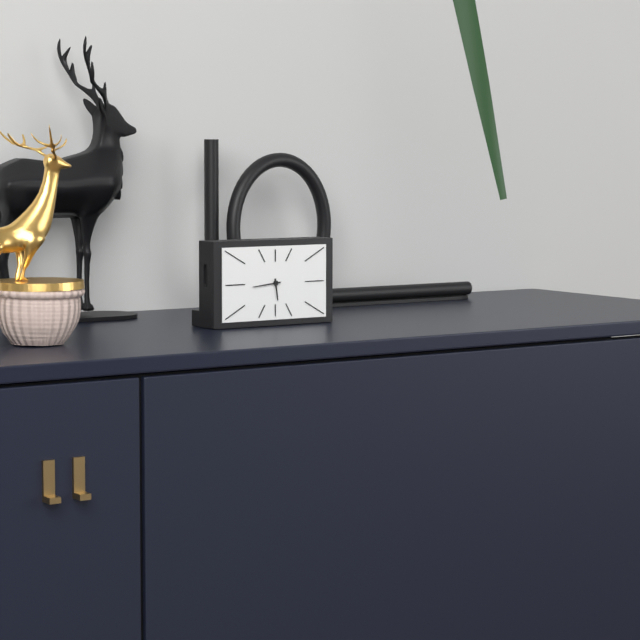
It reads 5,44
